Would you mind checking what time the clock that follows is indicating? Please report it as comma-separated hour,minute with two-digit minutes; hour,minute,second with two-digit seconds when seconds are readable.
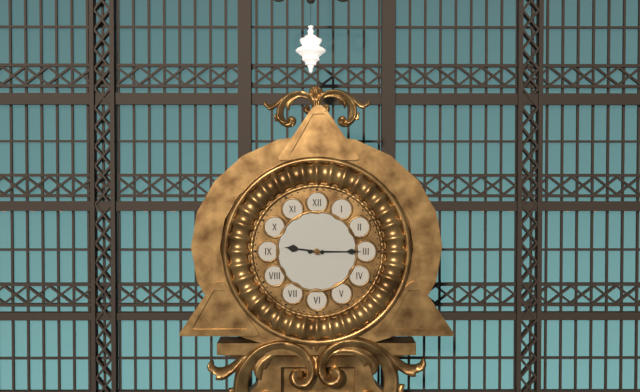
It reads 9,15
